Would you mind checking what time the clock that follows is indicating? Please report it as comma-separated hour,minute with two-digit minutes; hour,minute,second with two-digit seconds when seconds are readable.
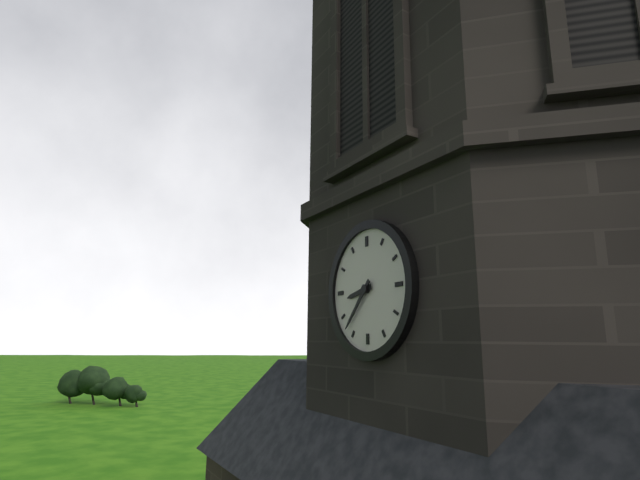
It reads 8,37
